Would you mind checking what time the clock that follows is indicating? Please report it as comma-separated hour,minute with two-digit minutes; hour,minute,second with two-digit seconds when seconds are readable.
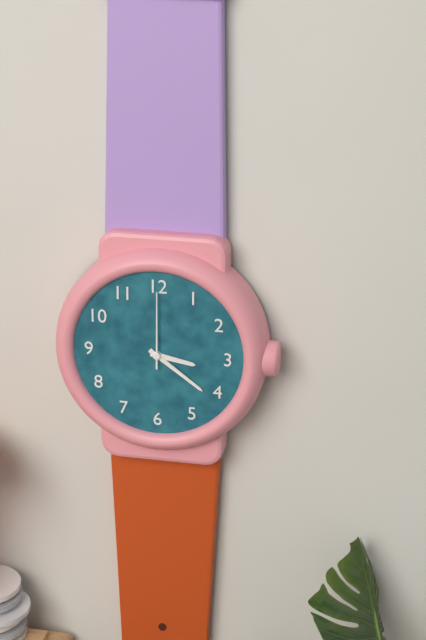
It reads 3,21,00
